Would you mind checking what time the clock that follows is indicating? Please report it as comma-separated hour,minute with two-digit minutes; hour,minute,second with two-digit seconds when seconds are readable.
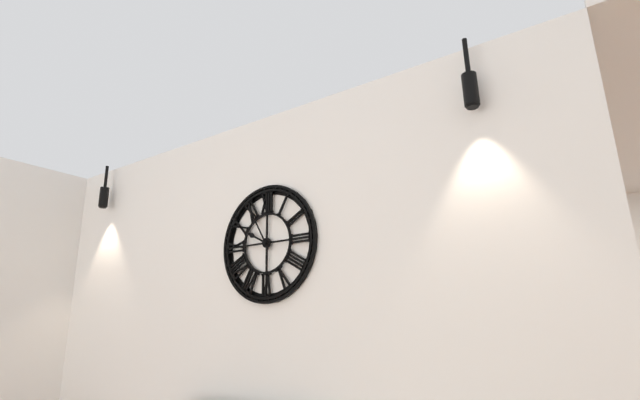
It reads 9,55
